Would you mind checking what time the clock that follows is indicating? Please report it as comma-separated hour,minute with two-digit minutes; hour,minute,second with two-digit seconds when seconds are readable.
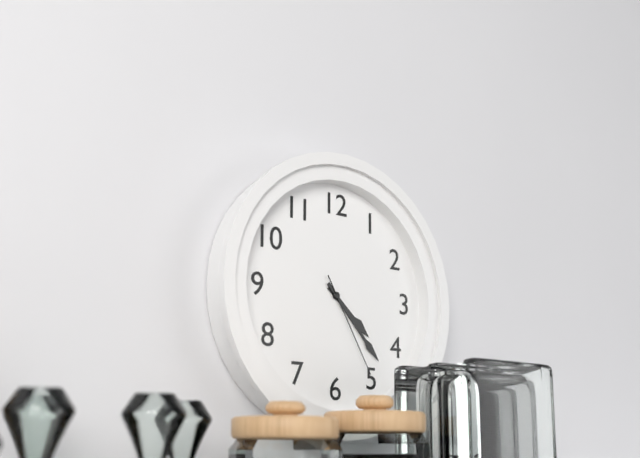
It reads 4,23,25
